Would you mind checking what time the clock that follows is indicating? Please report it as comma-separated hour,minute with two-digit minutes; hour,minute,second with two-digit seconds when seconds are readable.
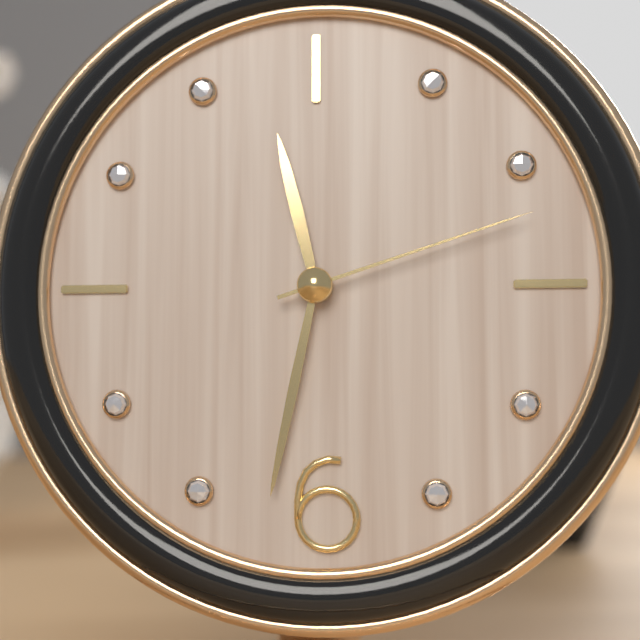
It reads 11,32,12
